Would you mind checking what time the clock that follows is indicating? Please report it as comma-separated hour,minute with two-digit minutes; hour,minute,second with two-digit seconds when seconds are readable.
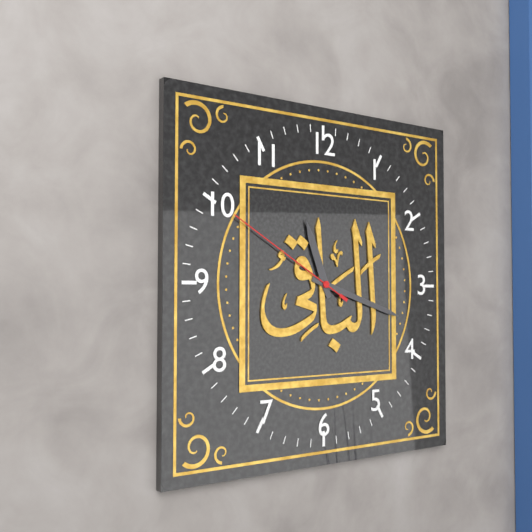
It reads 11,18,50
